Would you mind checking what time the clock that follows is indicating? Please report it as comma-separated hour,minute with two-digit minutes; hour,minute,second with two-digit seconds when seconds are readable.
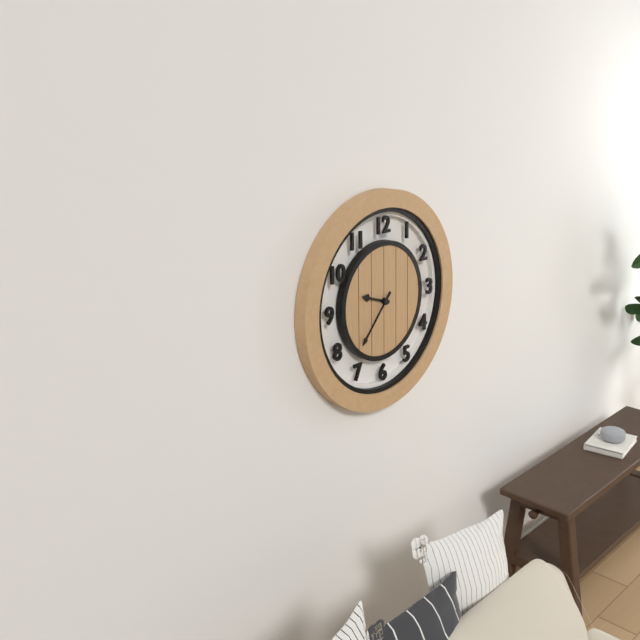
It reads 9,37
